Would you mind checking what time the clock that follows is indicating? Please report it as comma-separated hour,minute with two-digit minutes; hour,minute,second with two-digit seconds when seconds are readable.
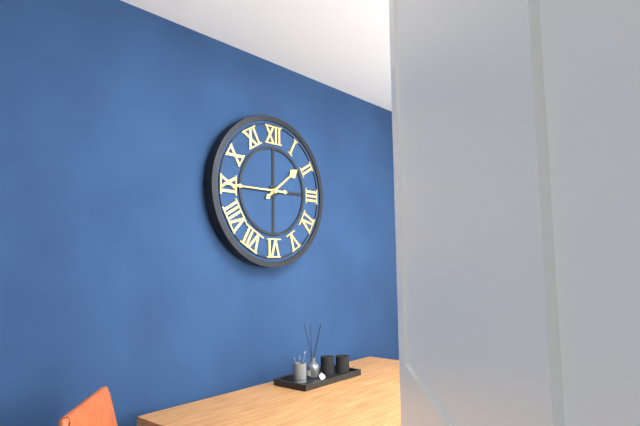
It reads 1,45
